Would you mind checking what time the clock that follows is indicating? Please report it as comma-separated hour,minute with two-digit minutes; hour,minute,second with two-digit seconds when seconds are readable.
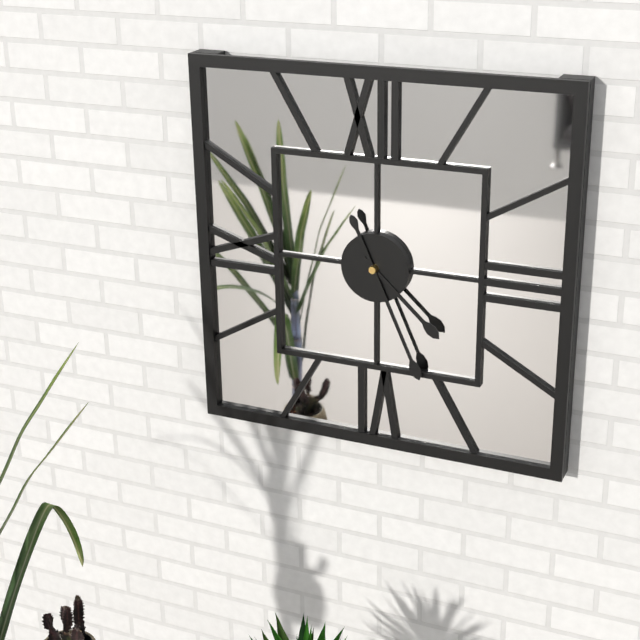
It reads 4,26
